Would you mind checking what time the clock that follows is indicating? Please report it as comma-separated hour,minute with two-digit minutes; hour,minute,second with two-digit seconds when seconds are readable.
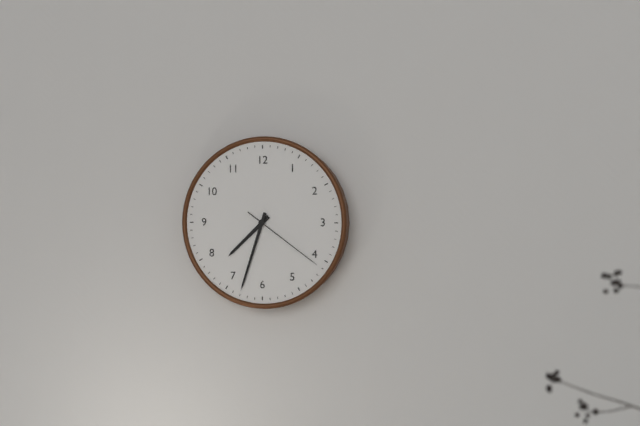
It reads 7,33,21
